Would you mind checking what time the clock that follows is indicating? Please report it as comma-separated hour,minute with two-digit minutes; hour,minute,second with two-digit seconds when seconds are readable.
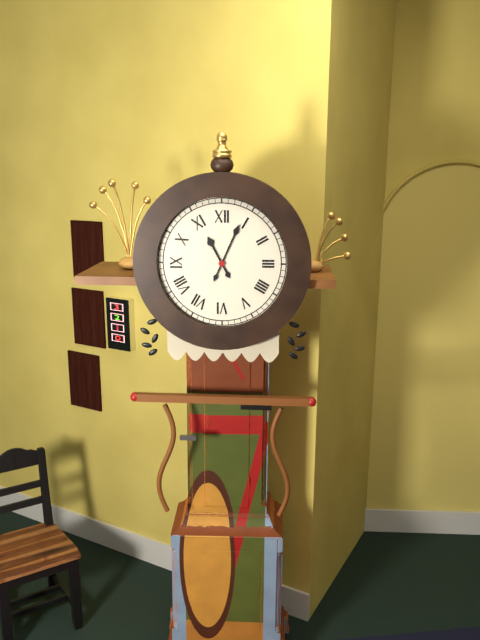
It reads 11,04
